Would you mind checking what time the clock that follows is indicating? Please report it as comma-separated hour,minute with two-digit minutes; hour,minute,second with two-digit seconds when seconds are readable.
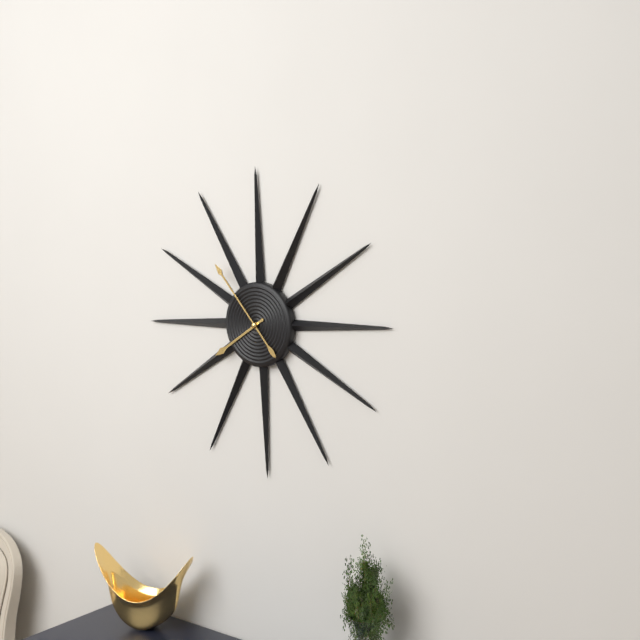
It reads 7,53
